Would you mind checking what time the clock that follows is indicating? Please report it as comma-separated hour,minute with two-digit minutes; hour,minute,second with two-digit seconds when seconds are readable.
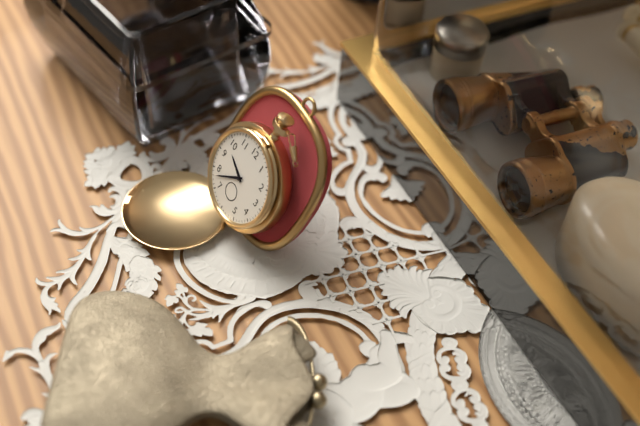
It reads 9,38
